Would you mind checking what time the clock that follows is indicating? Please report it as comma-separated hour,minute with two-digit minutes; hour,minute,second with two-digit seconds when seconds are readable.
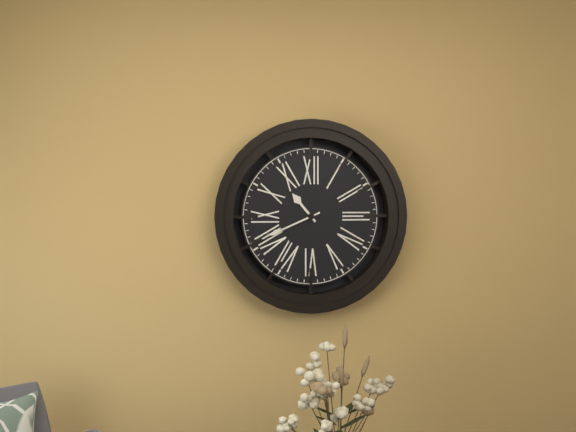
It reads 10,41
